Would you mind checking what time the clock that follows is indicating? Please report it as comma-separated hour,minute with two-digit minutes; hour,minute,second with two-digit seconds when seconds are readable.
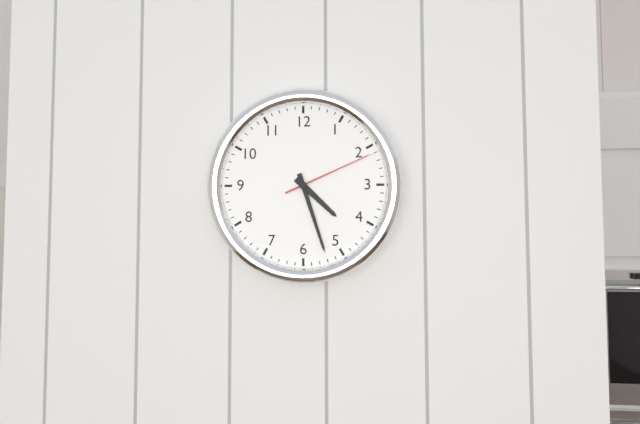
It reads 4,27,11
